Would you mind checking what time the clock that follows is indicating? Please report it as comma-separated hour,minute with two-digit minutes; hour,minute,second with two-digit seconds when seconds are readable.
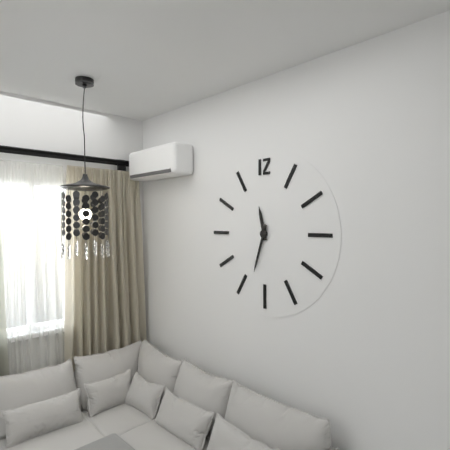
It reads 11,33
